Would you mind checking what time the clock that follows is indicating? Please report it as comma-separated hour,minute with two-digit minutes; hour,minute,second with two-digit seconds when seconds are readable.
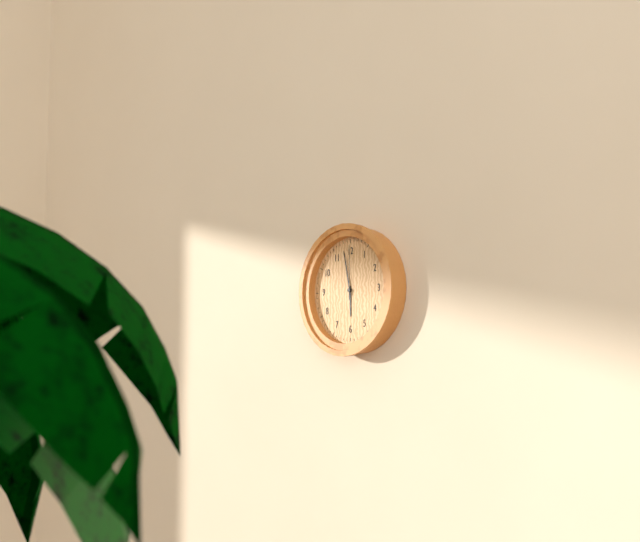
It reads 5,58,00
